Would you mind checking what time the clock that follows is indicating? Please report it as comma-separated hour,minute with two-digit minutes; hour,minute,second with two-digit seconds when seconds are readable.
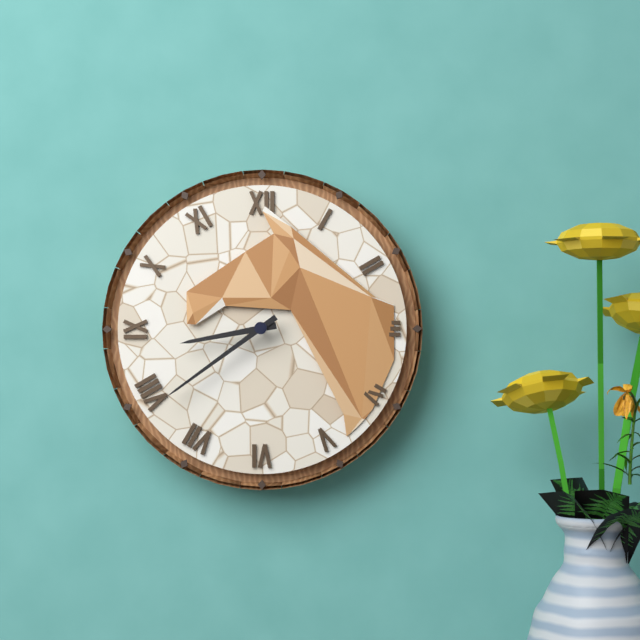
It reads 8,39
